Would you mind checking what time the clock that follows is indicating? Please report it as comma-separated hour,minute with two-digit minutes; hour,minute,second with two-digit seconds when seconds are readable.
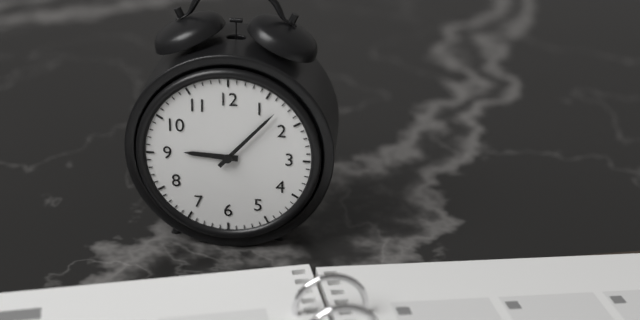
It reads 9,07
